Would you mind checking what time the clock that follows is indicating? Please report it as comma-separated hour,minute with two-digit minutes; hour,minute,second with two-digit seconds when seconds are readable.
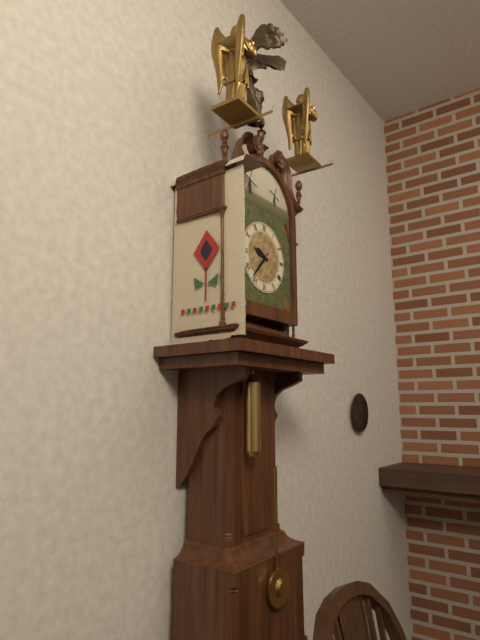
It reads 9,37
